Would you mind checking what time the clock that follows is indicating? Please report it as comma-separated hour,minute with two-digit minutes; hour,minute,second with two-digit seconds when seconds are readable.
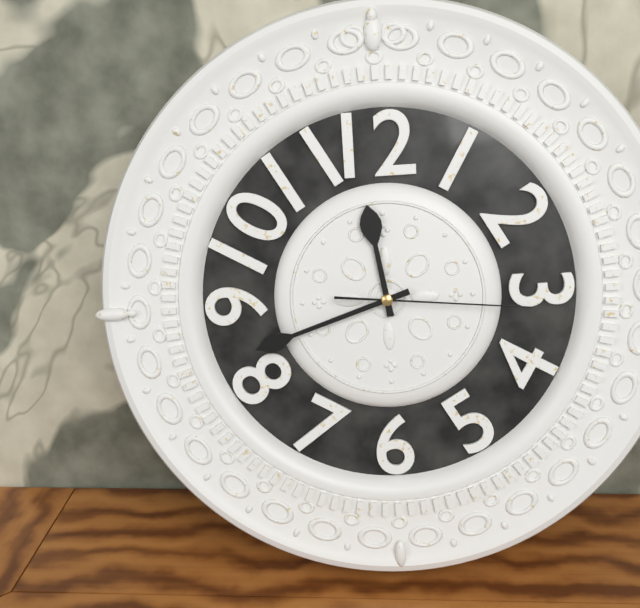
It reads 11,42,16
